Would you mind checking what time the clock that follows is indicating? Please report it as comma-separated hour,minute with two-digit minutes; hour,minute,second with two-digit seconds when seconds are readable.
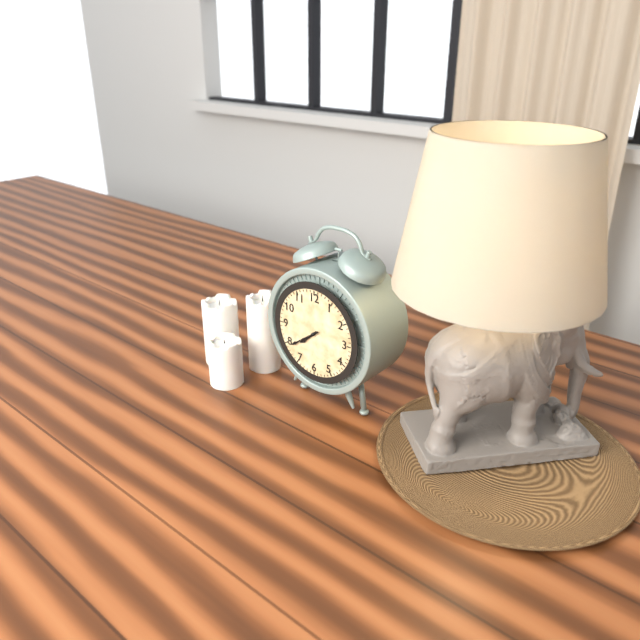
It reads 7,39
